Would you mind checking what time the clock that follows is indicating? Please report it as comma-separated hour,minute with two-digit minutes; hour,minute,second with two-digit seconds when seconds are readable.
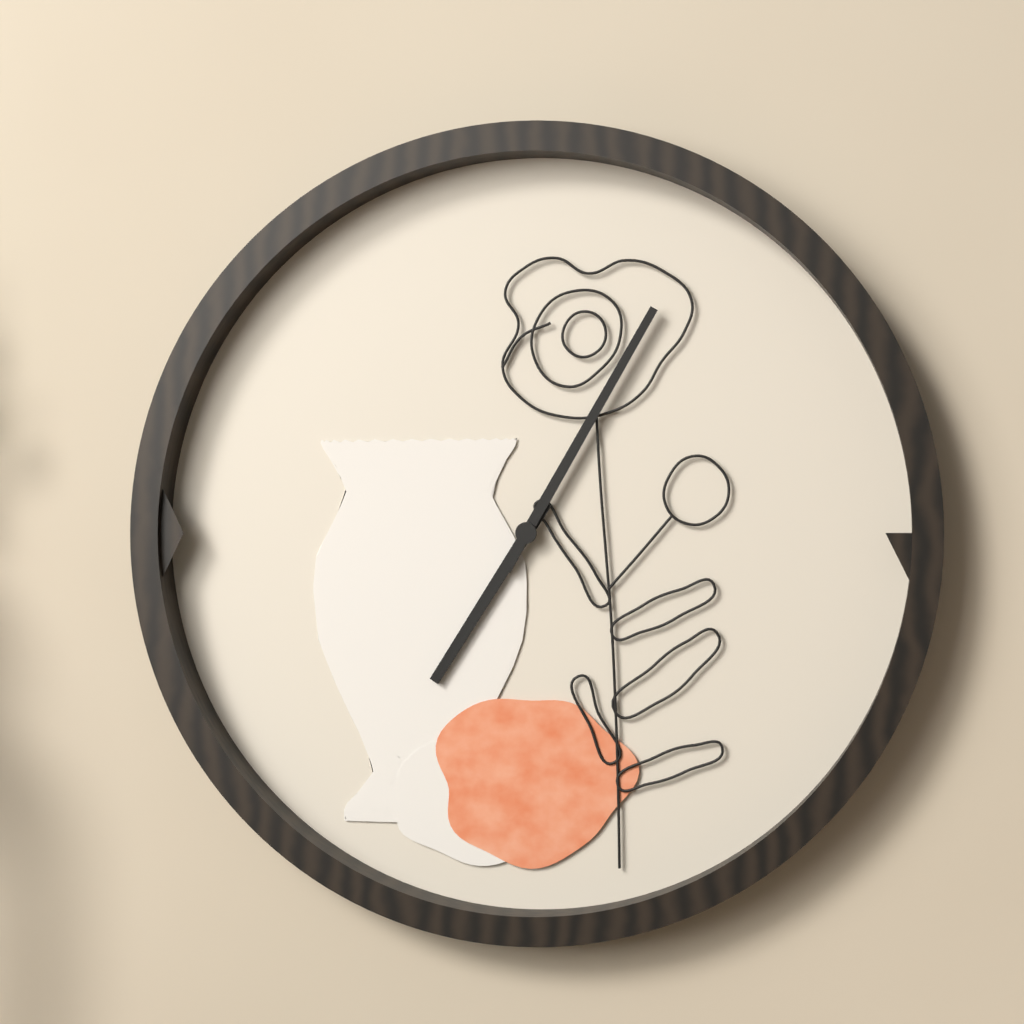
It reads 7,05
